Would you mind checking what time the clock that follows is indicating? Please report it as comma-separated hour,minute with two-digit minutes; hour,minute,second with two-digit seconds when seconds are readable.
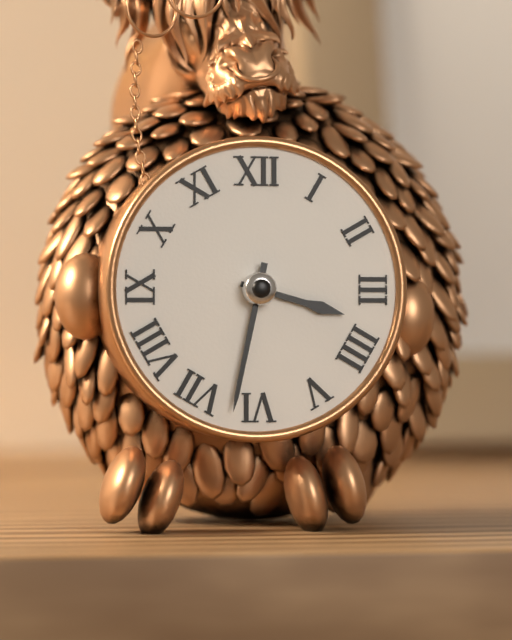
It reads 3,32
